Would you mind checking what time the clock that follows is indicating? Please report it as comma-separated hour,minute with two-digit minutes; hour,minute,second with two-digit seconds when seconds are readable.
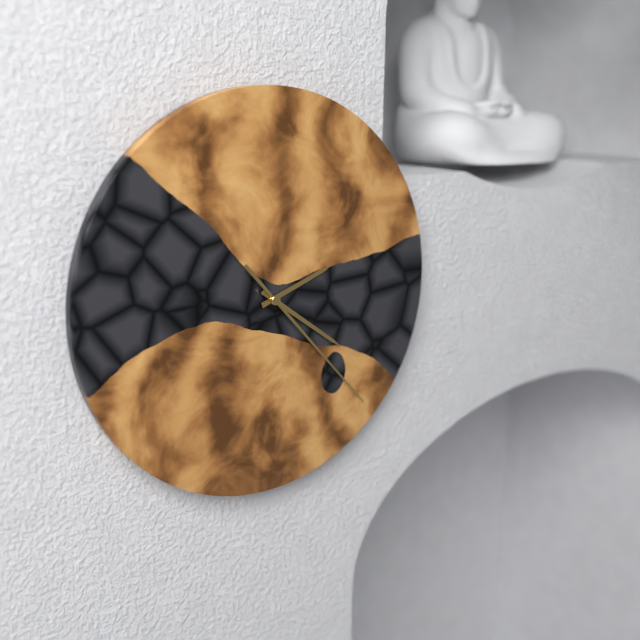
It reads 2,21,23
